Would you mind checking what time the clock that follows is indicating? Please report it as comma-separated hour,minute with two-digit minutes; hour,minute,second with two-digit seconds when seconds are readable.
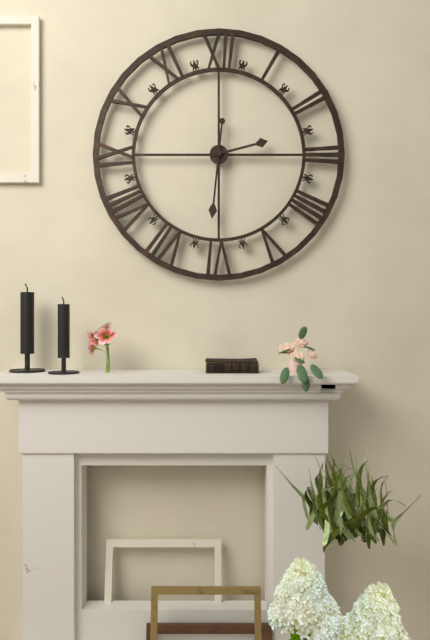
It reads 2,31
